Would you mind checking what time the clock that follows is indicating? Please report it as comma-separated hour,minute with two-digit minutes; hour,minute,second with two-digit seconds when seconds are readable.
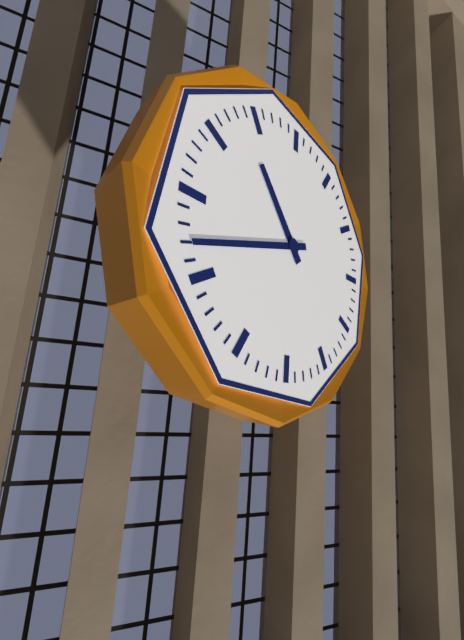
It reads 10,42
